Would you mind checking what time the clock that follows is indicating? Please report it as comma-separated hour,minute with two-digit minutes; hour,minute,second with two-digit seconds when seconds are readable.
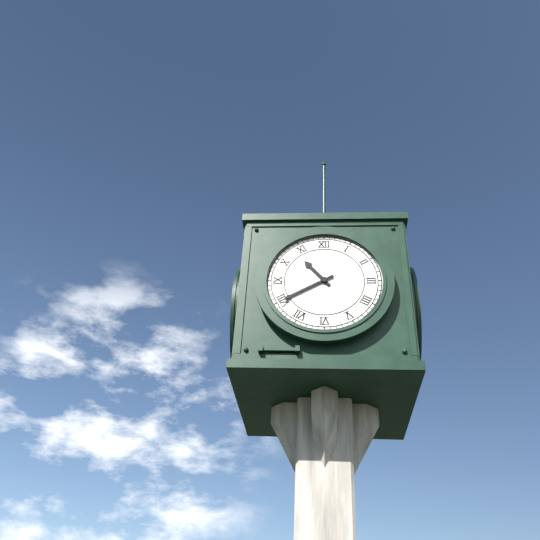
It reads 10,40
